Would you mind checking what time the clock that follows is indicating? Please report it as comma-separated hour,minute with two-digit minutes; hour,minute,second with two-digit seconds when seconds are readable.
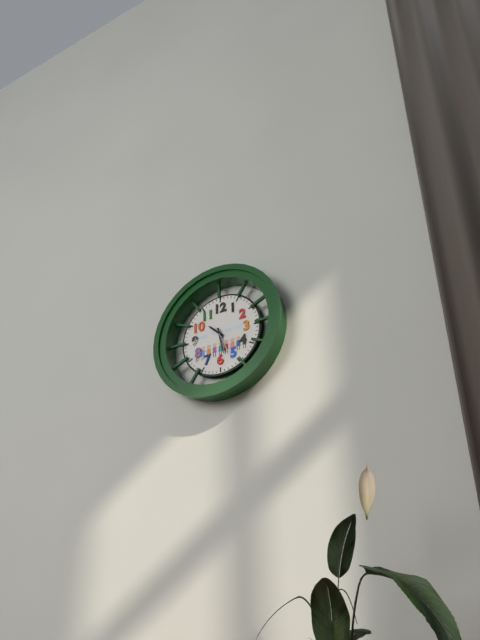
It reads 10,28
